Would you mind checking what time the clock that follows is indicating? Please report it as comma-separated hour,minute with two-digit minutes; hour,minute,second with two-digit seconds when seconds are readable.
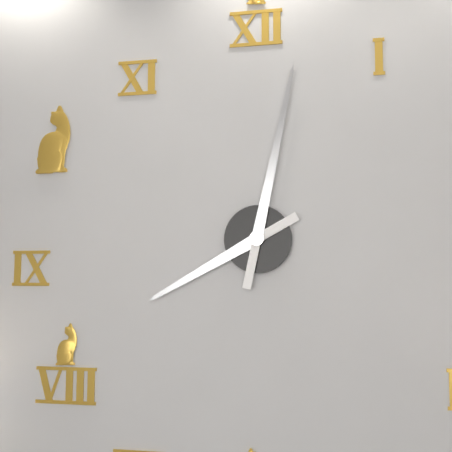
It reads 8,02
